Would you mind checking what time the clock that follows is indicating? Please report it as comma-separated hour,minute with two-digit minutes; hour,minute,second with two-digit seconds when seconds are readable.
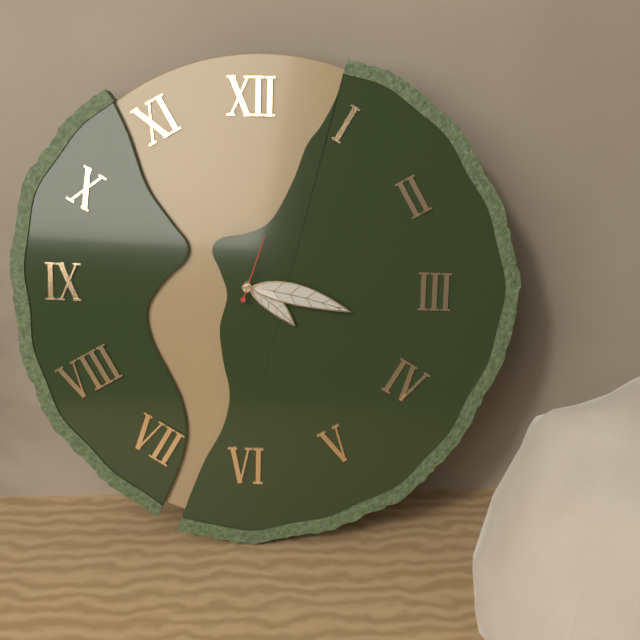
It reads 4,17,03
